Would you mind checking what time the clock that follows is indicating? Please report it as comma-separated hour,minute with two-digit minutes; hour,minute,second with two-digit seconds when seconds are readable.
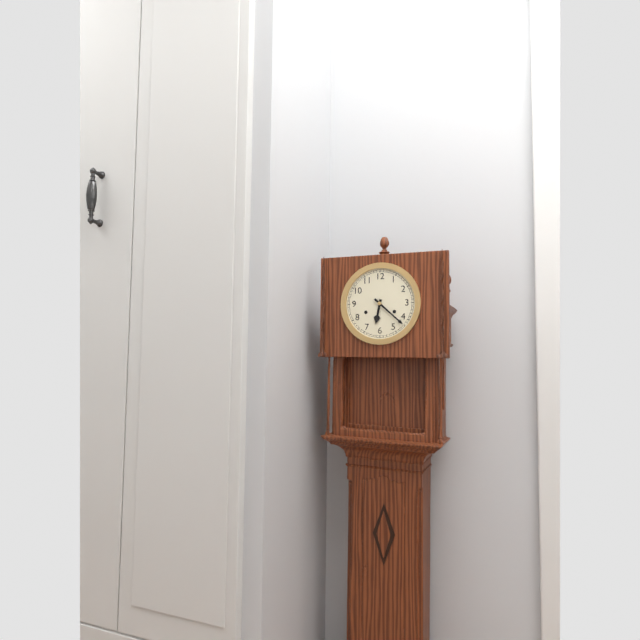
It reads 6,22
